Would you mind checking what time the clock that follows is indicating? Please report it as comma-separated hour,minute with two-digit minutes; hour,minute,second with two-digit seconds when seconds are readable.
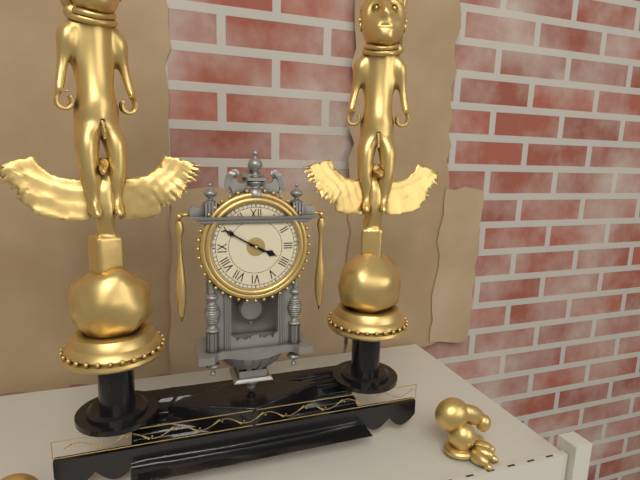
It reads 3,50
